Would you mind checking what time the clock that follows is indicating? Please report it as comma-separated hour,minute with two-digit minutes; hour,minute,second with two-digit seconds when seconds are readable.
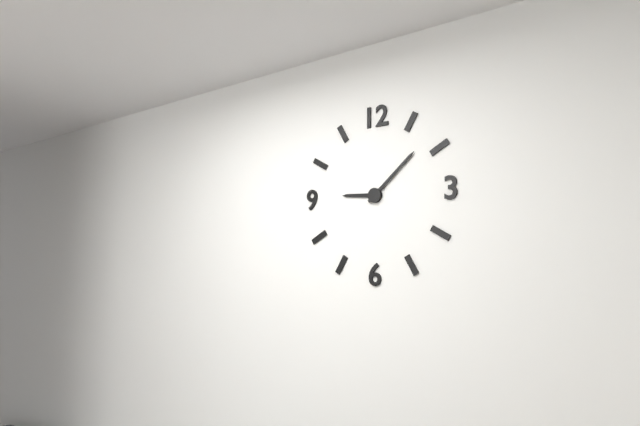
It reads 9,08
